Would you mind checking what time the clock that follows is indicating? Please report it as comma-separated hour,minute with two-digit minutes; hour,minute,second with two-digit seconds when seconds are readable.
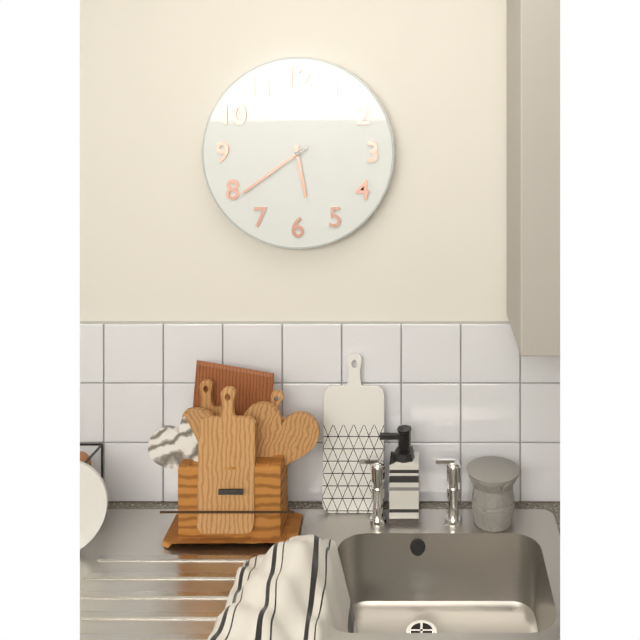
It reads 5,39
